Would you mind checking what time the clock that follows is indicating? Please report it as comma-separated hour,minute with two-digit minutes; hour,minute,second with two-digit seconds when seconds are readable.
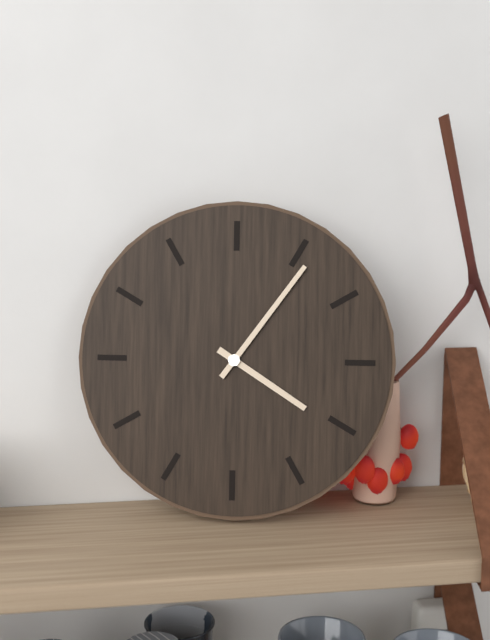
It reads 4,06
